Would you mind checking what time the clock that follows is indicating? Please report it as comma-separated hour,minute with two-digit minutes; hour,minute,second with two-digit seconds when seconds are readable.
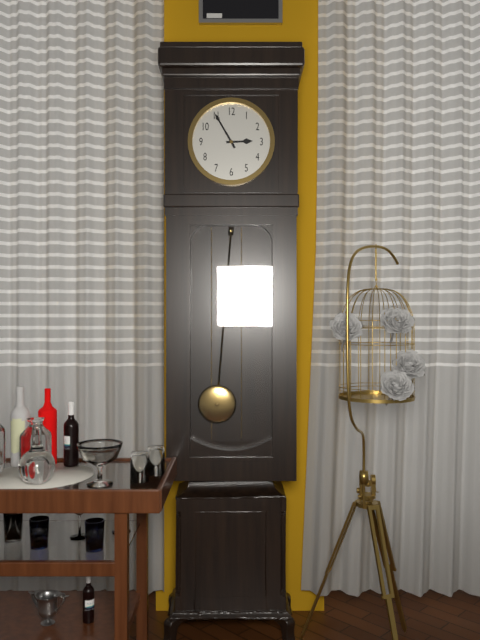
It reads 2,55
